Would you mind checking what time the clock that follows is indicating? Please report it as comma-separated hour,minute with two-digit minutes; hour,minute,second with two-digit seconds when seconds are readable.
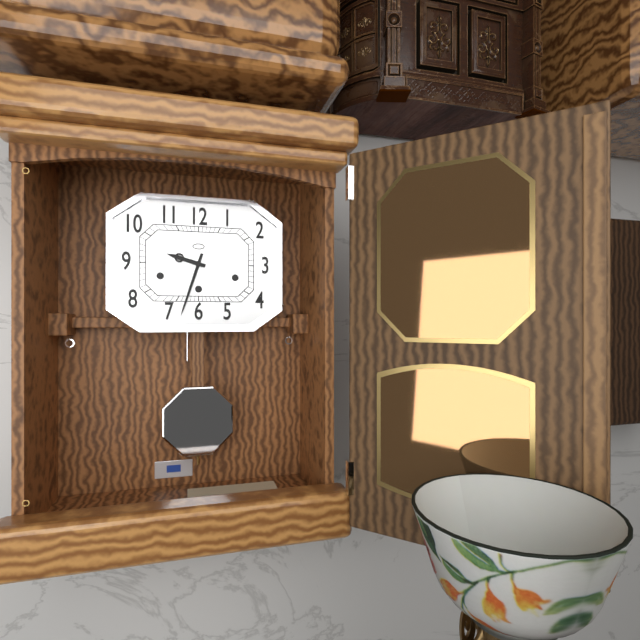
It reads 9,33
